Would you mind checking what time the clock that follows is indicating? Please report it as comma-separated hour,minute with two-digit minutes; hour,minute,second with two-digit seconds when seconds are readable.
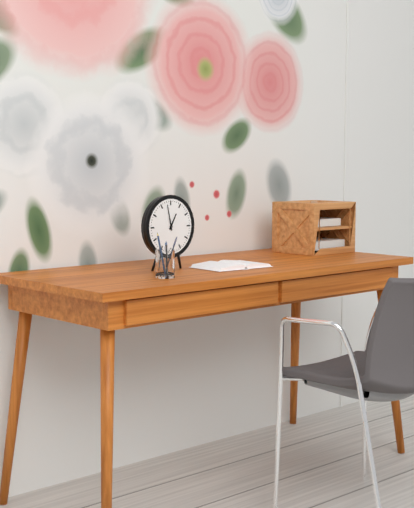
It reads 12,58
